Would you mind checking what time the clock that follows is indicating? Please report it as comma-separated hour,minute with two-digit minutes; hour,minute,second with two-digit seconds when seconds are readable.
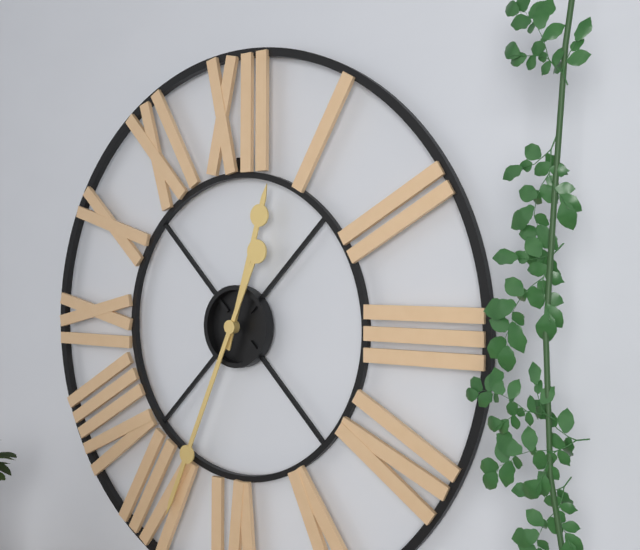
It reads 12,34
